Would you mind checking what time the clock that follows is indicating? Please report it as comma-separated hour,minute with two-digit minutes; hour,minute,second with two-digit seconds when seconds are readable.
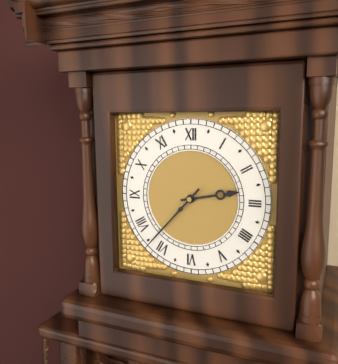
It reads 2,37
